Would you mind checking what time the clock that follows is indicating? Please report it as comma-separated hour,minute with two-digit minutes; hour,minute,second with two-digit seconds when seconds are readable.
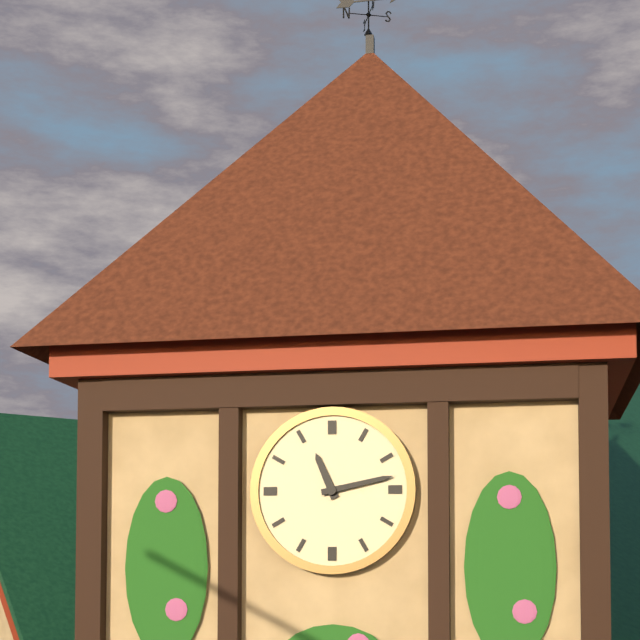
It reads 11,13
